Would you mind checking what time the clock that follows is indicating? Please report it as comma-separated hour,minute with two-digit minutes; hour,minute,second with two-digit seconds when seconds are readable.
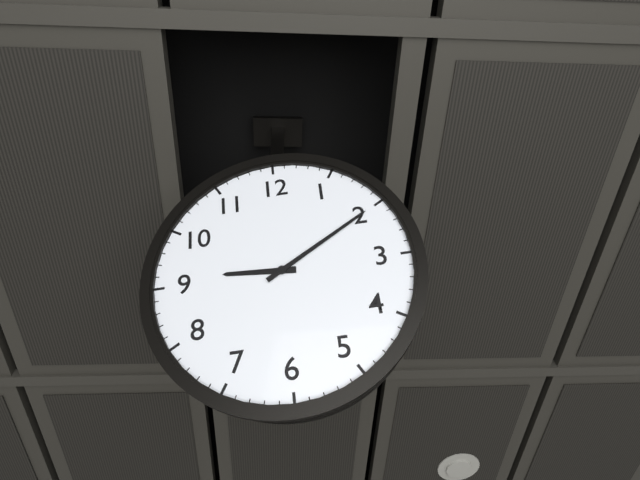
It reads 9,10
